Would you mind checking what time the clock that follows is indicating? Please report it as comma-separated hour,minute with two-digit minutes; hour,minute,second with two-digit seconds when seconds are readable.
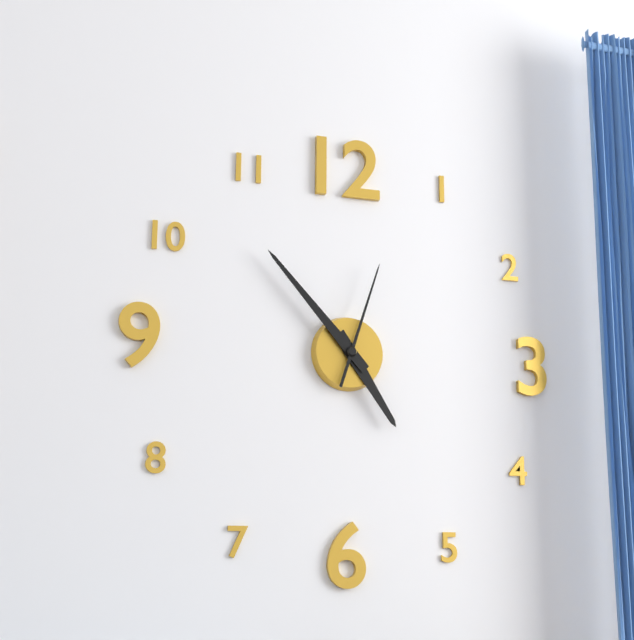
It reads 4,53,03
